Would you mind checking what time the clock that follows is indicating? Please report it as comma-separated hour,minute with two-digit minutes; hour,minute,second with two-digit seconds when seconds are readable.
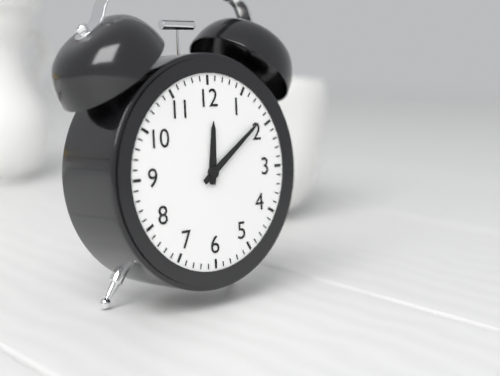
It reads 12,09
